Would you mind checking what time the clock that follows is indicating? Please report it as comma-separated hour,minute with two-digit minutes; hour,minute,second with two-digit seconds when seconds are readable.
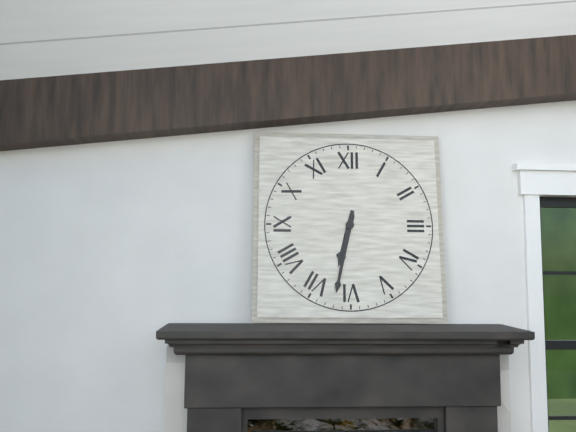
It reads 6,32
